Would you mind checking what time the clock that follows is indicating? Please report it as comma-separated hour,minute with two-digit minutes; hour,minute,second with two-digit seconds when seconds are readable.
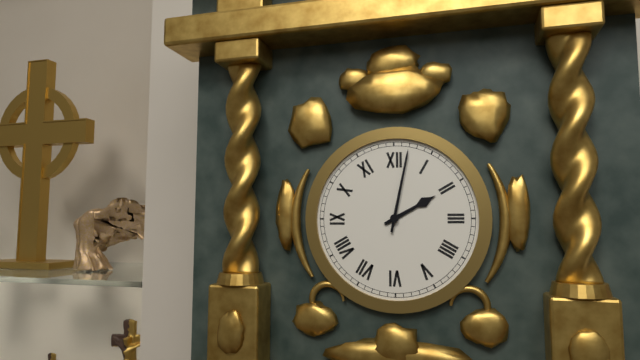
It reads 2,02
